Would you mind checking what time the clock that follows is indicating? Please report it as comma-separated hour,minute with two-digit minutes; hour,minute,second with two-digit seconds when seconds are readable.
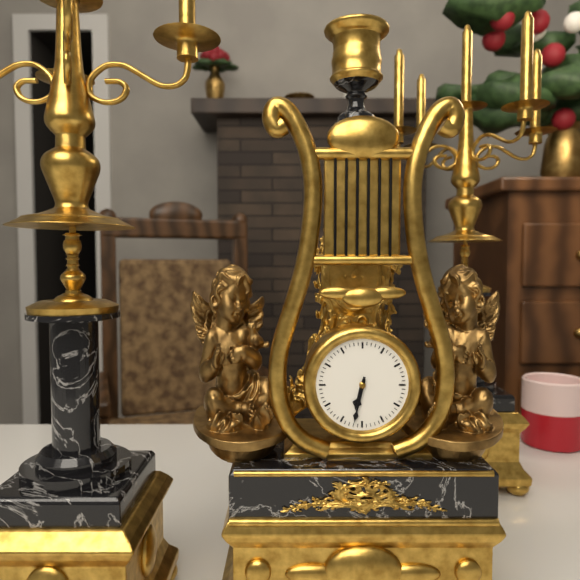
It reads 6,32
